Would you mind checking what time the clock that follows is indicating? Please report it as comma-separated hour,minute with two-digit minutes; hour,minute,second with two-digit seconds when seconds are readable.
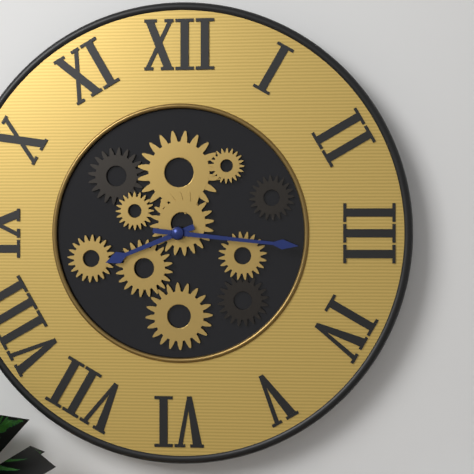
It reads 8,16
